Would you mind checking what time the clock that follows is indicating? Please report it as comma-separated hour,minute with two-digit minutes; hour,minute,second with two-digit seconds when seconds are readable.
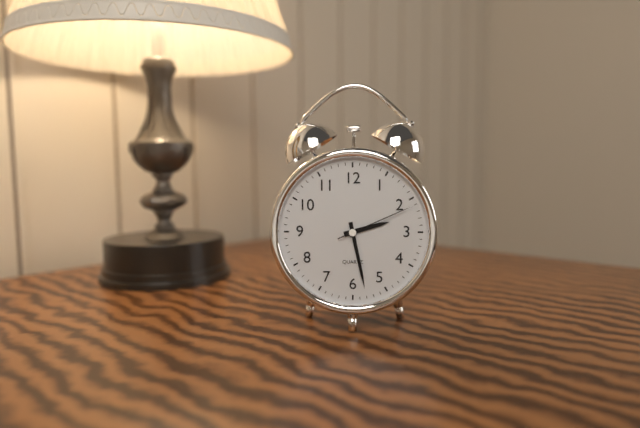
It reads 2,28,11
